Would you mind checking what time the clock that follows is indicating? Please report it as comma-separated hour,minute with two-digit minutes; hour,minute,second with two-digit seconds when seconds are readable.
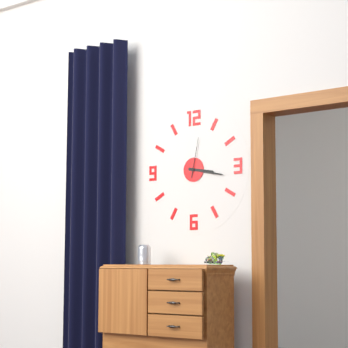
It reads 3,17
